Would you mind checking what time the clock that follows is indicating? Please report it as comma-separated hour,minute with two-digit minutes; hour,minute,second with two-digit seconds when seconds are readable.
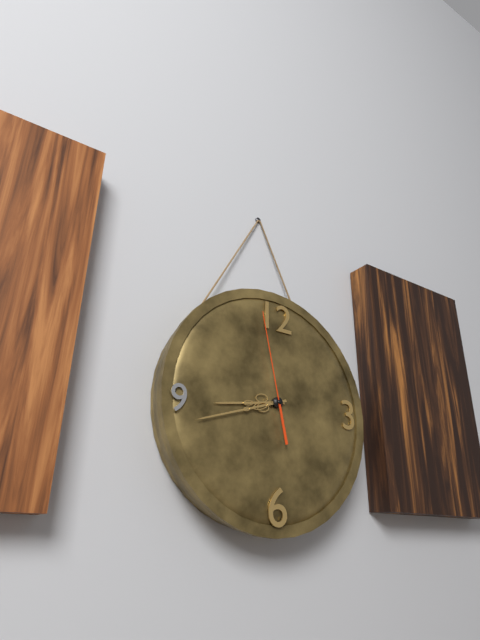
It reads 8,42,58
